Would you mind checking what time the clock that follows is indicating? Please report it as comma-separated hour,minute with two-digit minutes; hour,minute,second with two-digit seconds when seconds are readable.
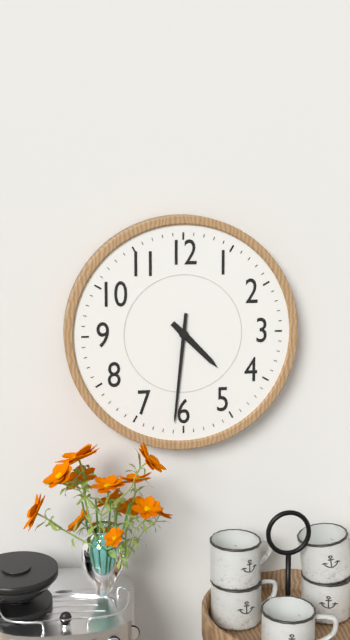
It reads 4,31
